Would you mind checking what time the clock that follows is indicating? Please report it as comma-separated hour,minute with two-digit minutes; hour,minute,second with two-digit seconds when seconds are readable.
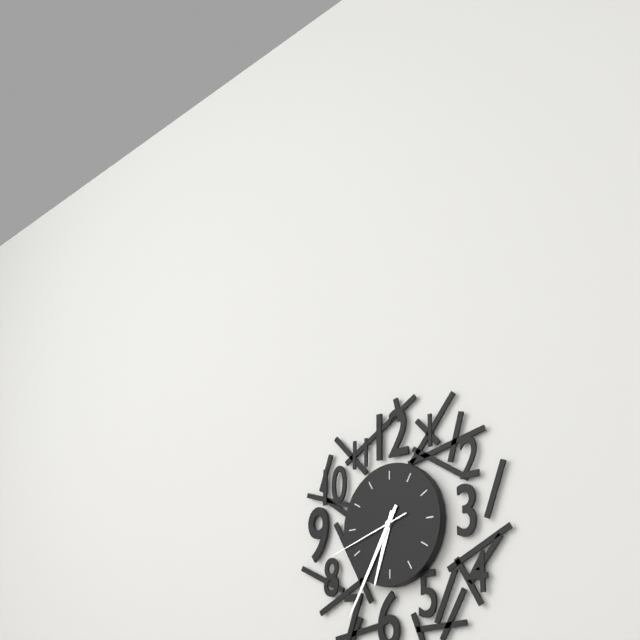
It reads 6,35,42
